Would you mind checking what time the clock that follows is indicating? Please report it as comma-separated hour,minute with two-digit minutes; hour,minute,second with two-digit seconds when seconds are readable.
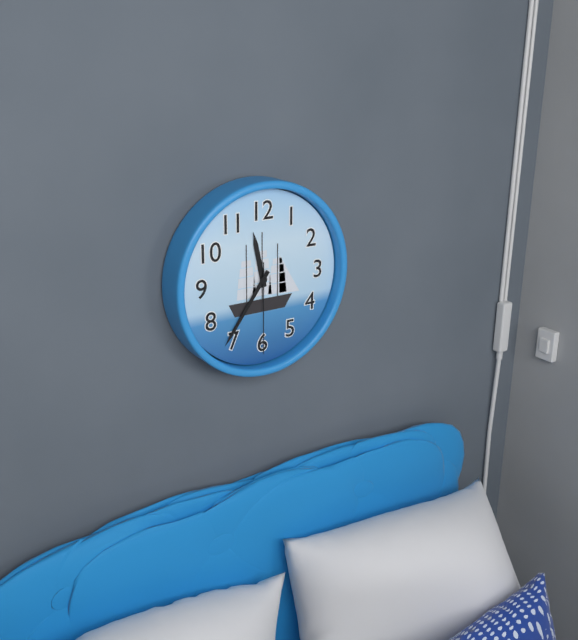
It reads 11,36,30
